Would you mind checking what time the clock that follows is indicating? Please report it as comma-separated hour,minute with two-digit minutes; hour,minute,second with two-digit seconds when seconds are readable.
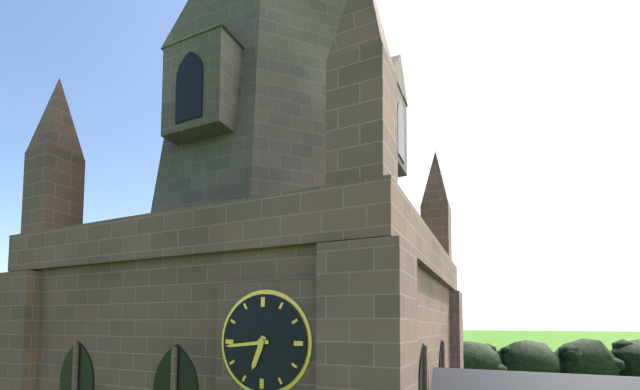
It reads 6,44
